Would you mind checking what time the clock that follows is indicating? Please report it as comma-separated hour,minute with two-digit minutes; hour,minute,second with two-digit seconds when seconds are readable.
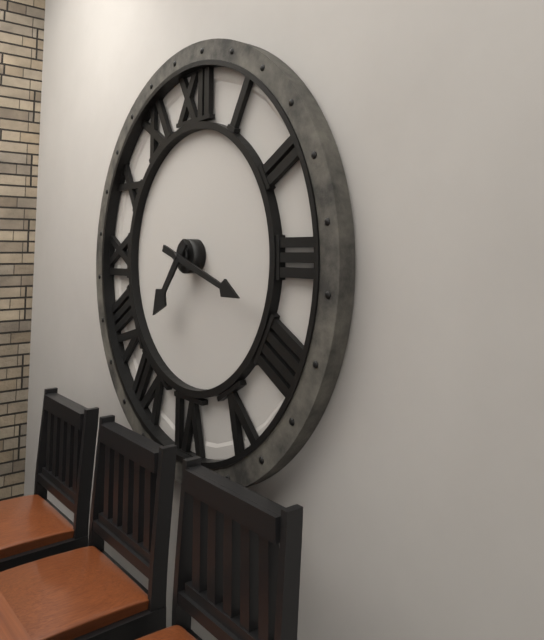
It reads 7,18
